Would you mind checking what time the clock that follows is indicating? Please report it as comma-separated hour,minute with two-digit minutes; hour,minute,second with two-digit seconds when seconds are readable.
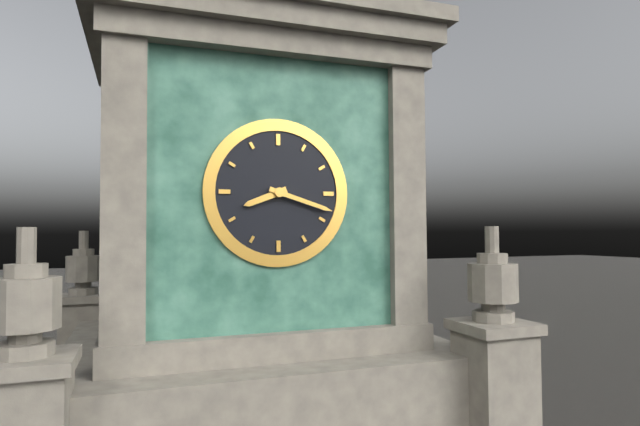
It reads 8,18
